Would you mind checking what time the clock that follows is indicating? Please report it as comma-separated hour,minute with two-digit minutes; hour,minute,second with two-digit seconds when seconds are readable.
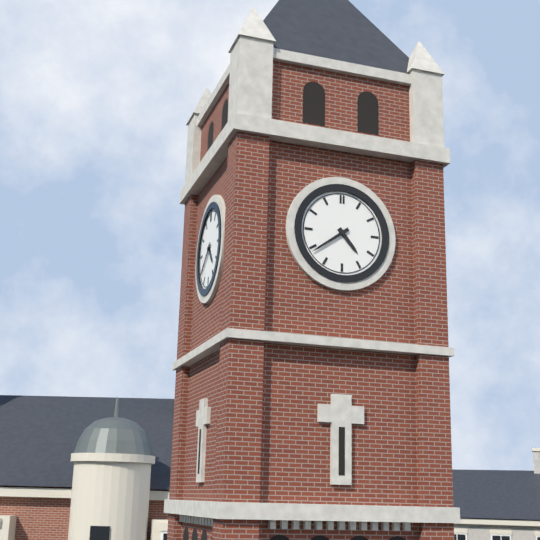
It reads 4,39
